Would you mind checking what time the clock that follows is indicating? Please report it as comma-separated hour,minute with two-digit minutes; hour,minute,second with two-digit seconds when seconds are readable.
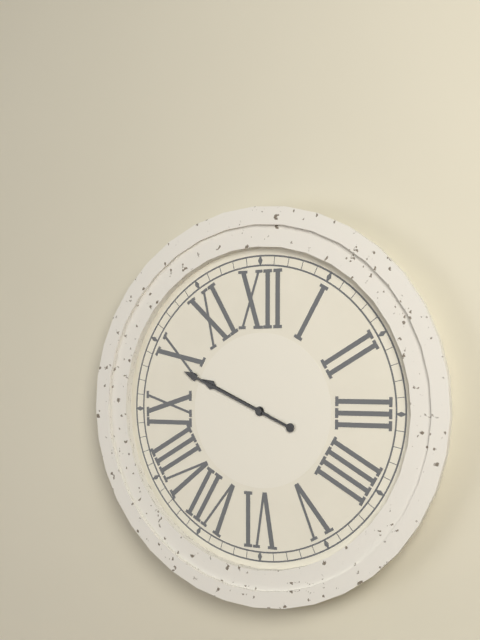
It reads 9,49
